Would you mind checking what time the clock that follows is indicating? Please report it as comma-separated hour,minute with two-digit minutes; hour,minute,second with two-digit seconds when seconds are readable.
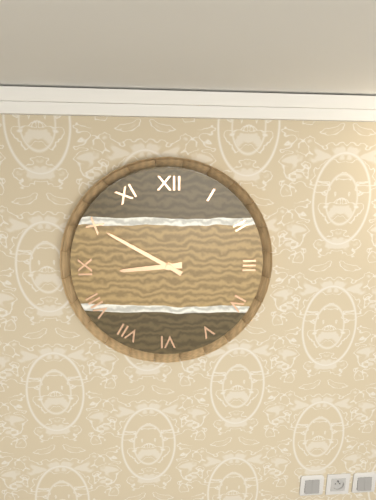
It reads 8,50
